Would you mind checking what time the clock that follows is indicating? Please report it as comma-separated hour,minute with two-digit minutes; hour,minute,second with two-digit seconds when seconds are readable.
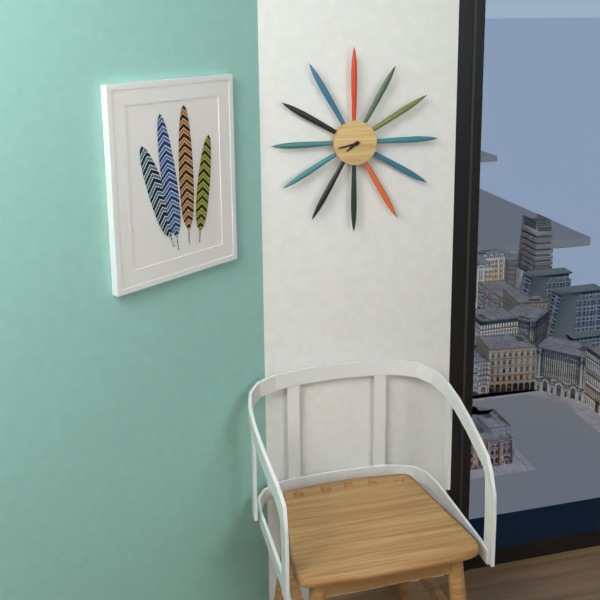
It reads 7,43
